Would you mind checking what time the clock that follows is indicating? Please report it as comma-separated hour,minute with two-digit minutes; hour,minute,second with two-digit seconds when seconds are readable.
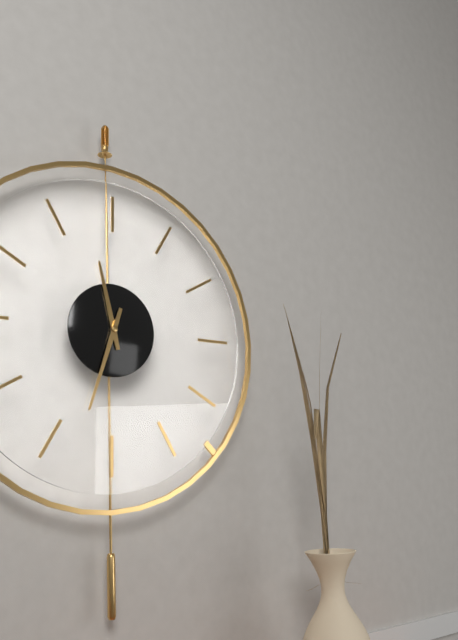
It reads 11,33
